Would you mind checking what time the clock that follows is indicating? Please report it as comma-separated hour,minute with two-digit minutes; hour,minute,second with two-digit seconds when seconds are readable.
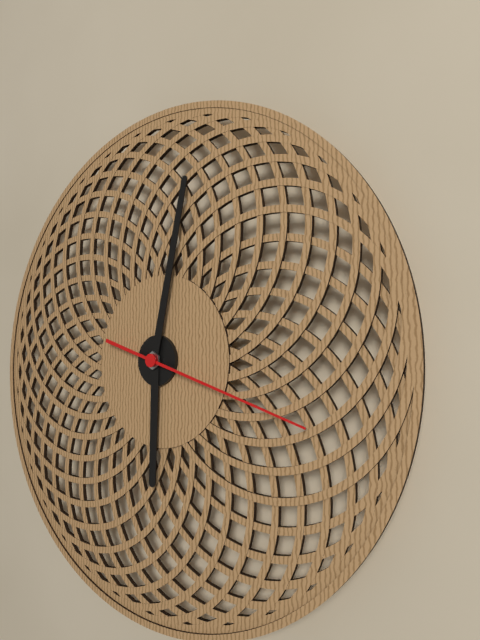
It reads 6,02,18
